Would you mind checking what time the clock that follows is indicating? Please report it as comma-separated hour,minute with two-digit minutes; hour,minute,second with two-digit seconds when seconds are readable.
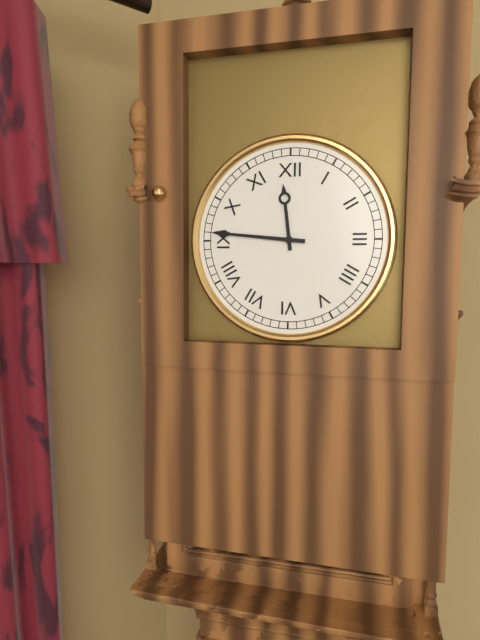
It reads 11,46
